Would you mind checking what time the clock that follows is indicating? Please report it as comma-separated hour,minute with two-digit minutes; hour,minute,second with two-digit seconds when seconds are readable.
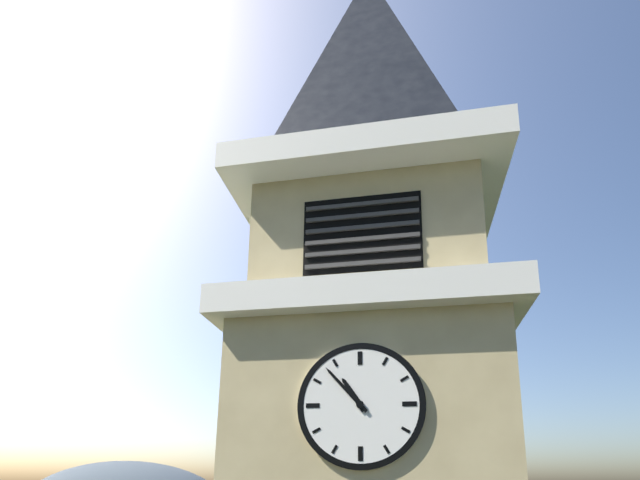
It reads 10,53
